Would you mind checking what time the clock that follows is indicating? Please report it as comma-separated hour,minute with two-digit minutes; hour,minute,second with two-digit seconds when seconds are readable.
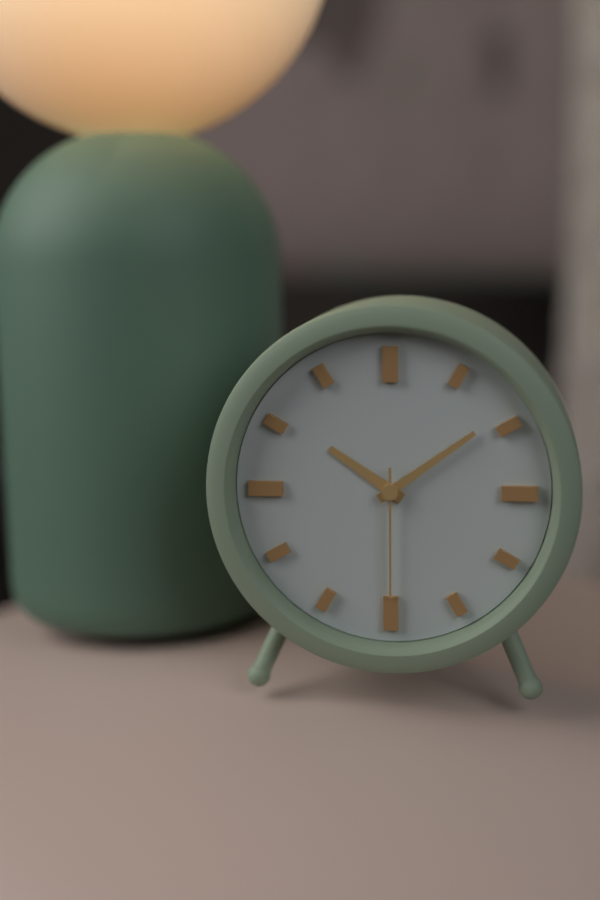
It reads 10,09,30
